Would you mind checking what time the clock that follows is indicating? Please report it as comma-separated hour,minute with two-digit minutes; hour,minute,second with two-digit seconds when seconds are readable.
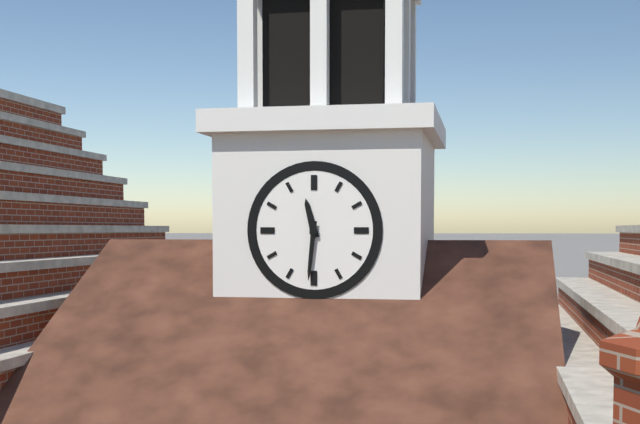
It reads 11,31
